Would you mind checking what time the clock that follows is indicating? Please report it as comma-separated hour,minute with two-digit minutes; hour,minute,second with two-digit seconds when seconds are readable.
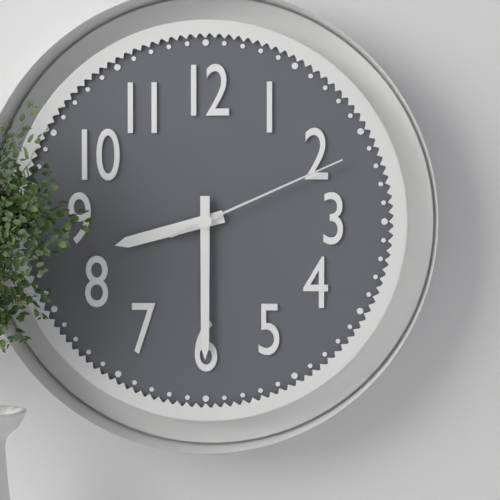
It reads 8,30,11
